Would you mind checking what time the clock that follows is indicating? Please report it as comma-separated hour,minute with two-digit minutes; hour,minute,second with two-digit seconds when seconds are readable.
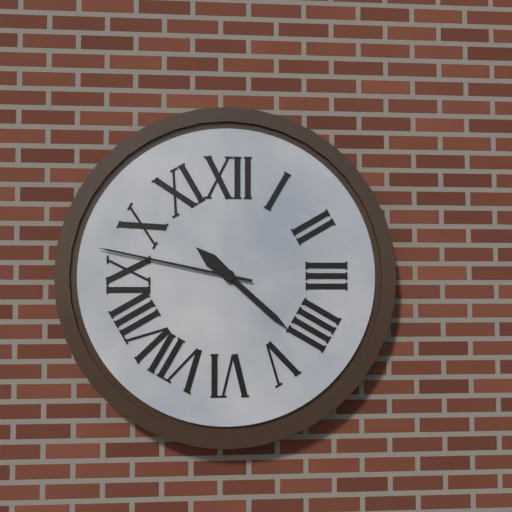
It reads 10,22,47
